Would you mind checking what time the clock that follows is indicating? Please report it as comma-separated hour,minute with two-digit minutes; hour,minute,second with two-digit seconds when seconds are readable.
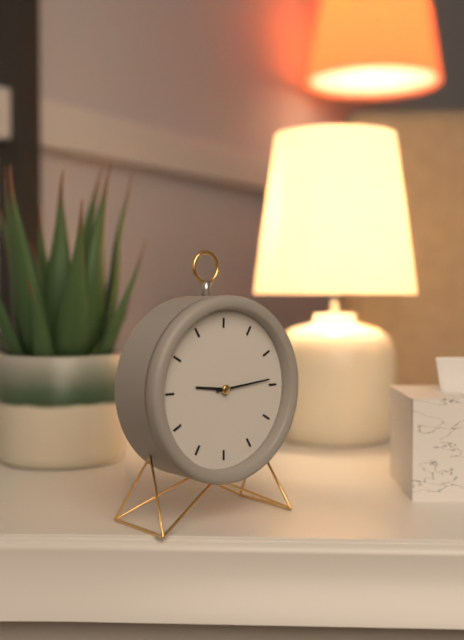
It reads 9,14
